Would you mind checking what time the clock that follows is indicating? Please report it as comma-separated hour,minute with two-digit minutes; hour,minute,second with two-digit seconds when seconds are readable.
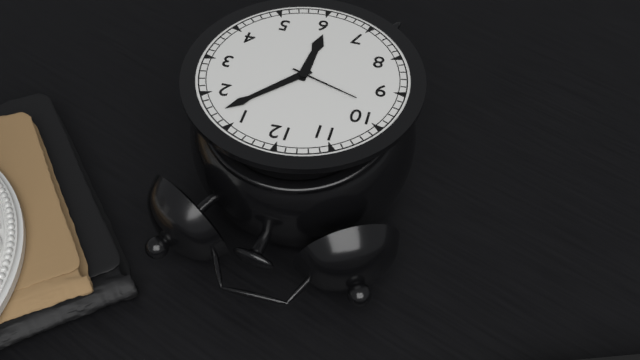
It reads 6,07,48
